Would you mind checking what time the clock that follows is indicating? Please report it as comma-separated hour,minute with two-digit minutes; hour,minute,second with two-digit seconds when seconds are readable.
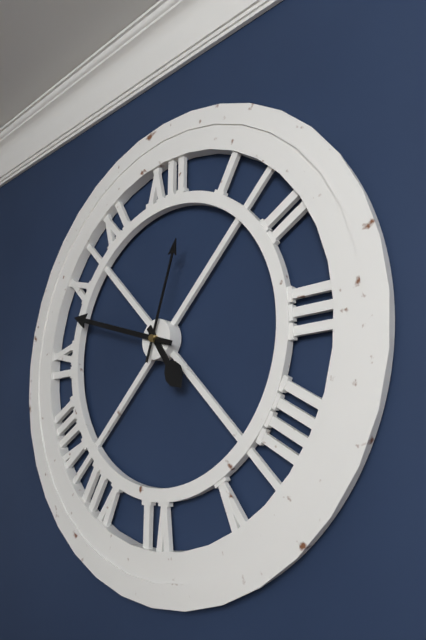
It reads 4,48,03
